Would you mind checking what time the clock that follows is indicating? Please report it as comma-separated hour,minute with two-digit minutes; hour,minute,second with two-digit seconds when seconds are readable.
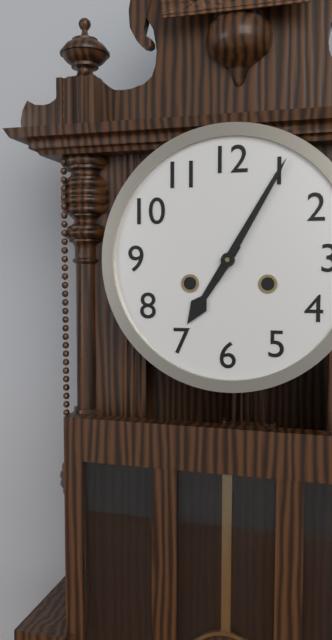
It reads 7,05
